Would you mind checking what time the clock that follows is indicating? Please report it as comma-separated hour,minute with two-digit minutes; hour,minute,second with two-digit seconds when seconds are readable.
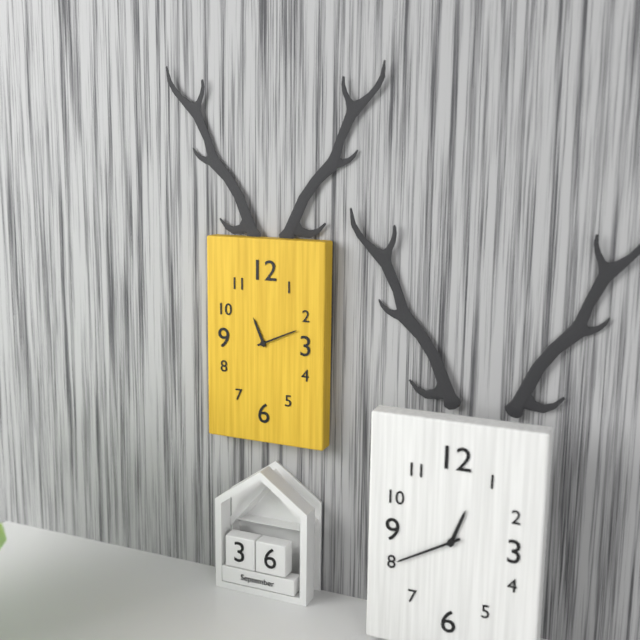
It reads 11,11
